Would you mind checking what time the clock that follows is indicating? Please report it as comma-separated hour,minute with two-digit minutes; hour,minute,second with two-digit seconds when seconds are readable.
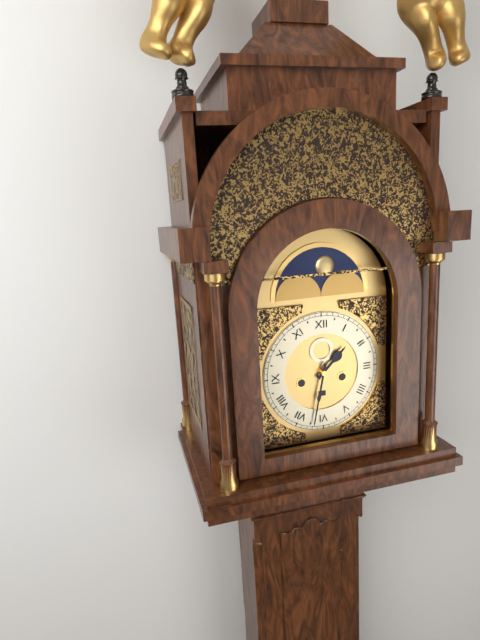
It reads 1,32
